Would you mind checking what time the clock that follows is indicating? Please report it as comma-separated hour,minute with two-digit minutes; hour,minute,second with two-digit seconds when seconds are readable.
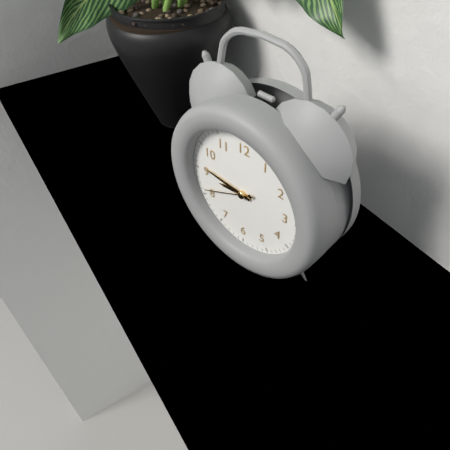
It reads 8,46
